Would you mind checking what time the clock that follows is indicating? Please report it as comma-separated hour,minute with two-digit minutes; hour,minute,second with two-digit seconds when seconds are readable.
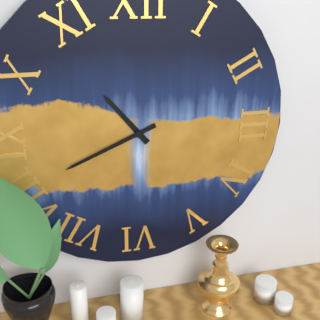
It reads 10,41
